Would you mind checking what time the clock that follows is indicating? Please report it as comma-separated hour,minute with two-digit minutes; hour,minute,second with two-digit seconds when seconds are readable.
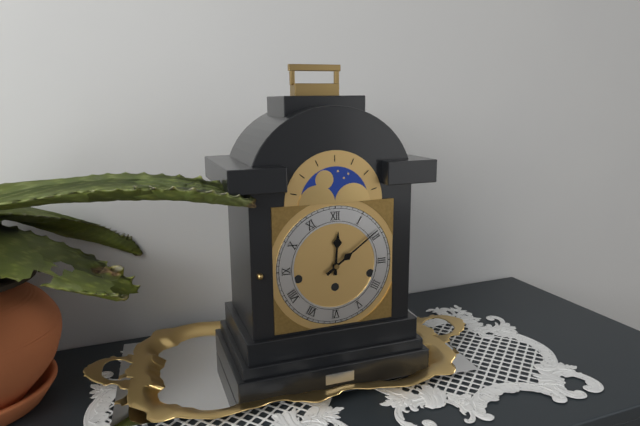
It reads 12,09
